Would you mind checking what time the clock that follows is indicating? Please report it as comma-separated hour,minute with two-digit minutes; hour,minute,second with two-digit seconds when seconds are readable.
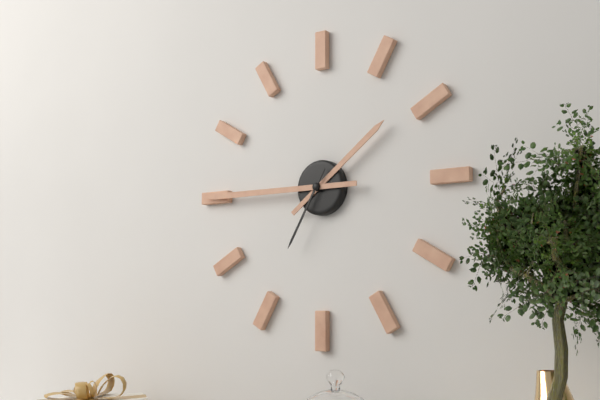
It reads 1,45,35
